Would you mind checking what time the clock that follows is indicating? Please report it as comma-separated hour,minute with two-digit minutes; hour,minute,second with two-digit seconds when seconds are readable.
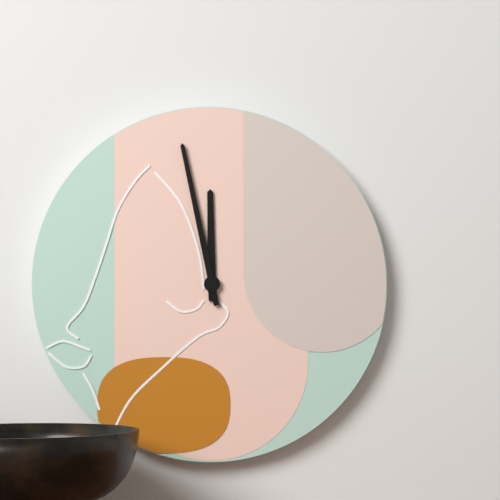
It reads 11,58
